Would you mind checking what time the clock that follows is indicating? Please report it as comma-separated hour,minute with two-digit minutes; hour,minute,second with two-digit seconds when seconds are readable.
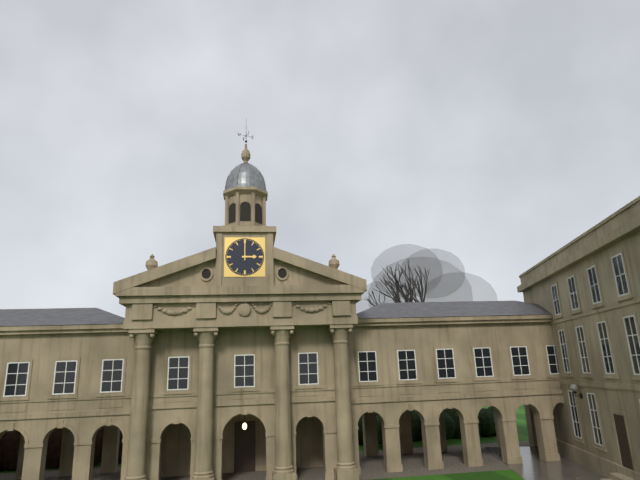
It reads 3,00
